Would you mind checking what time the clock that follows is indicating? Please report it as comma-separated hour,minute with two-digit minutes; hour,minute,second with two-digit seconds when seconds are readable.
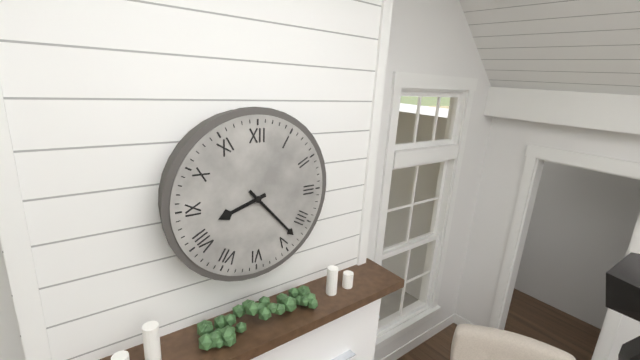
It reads 8,23
